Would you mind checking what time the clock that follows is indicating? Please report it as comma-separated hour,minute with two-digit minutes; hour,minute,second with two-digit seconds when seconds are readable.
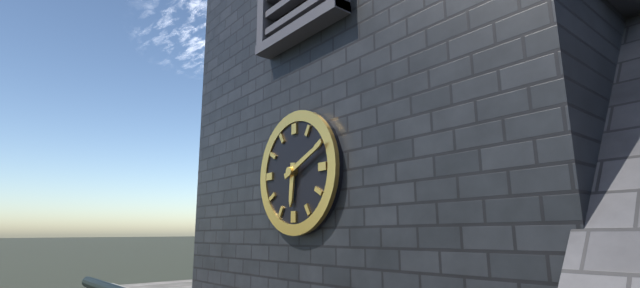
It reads 6,11
